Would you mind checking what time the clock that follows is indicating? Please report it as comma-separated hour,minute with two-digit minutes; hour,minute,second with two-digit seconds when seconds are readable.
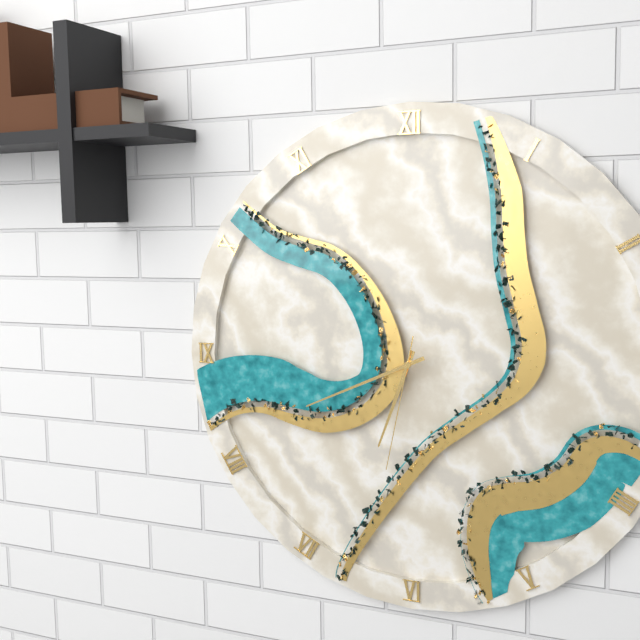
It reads 6,41,32
